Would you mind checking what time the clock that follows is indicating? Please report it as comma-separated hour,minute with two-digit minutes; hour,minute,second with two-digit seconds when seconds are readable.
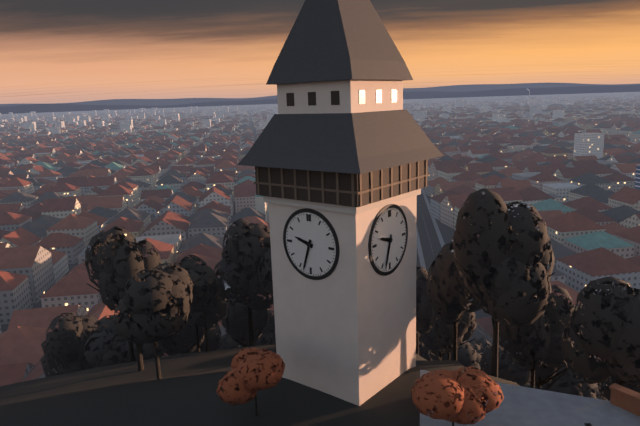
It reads 9,33
